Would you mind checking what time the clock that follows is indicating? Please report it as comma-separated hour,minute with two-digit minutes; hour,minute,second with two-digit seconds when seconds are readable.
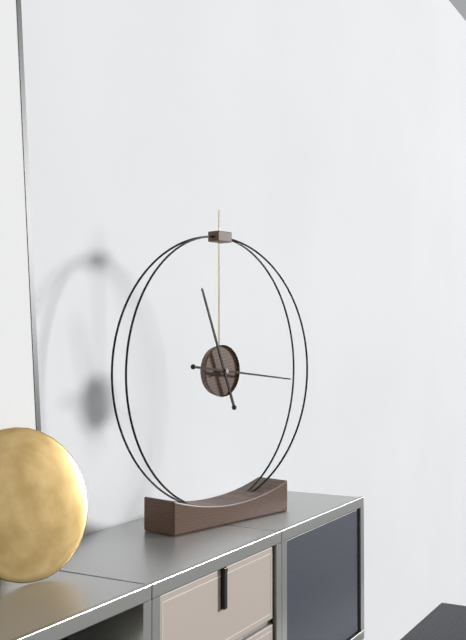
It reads 11,16
